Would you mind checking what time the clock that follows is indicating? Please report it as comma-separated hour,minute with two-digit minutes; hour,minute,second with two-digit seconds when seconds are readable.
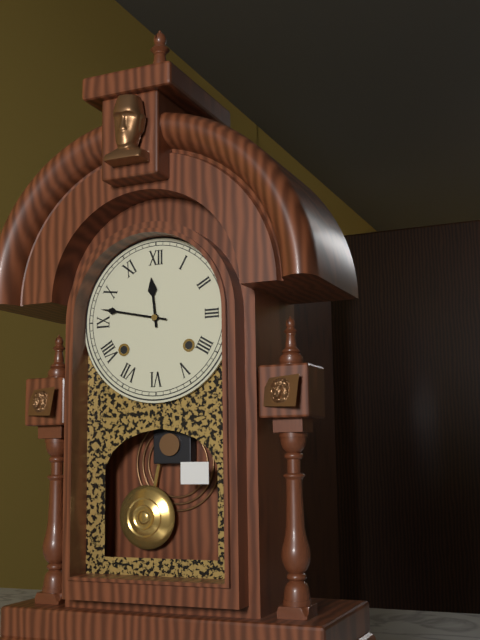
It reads 11,47
